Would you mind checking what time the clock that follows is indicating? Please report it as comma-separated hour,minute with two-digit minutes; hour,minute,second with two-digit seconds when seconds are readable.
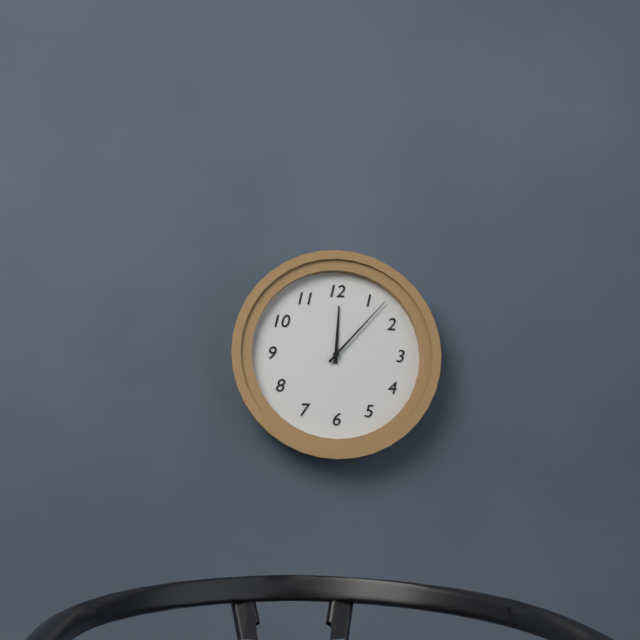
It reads 12,07
